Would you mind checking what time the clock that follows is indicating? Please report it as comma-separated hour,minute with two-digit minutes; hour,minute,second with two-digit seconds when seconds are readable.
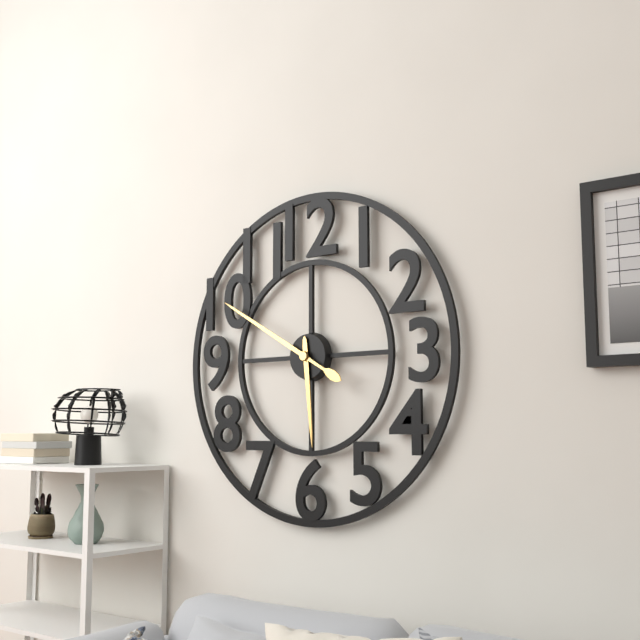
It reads 5,50
